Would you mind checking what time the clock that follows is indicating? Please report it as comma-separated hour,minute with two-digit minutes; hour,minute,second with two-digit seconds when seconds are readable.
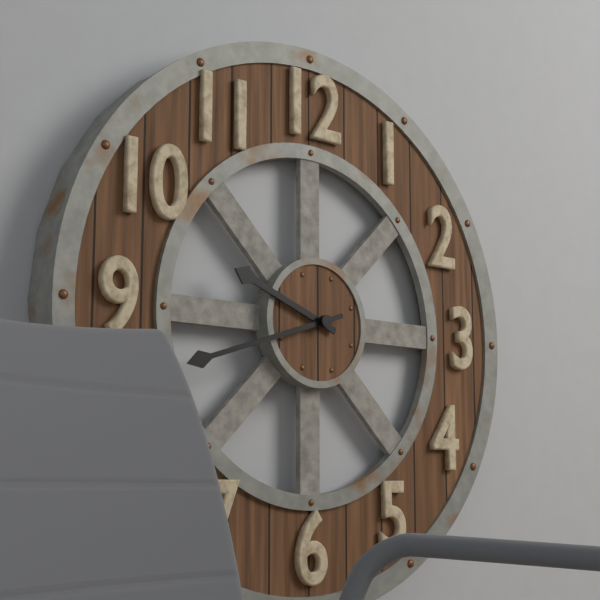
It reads 9,42
